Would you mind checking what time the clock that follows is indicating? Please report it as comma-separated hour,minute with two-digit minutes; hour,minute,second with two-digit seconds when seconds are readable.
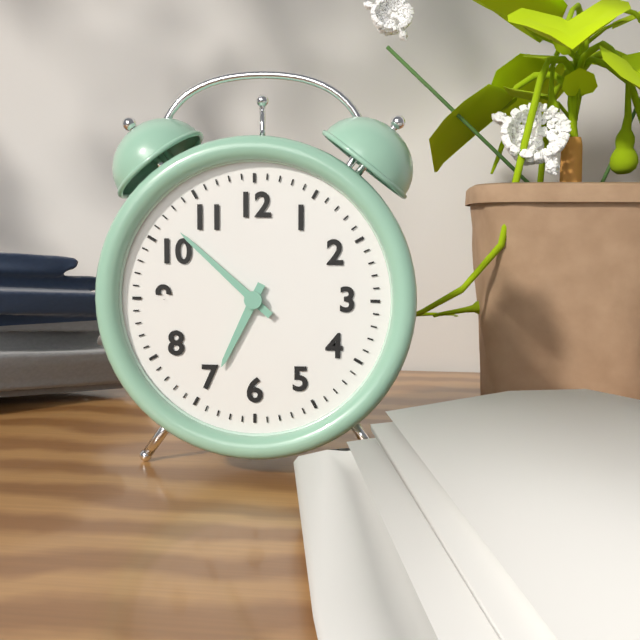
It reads 6,52
